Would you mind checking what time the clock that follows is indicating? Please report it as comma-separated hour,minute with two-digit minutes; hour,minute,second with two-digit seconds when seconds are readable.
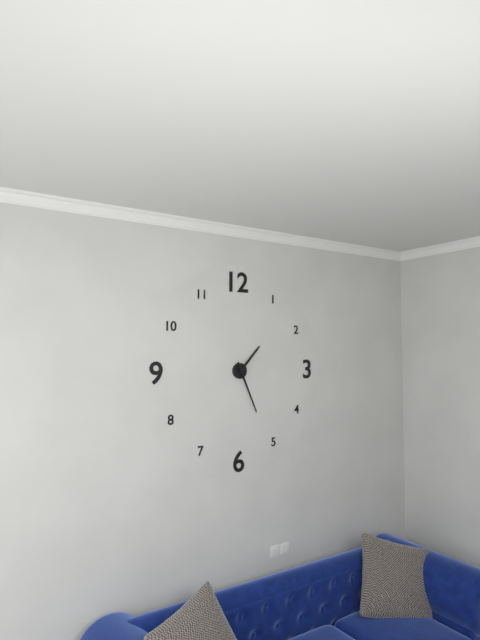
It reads 1,26
